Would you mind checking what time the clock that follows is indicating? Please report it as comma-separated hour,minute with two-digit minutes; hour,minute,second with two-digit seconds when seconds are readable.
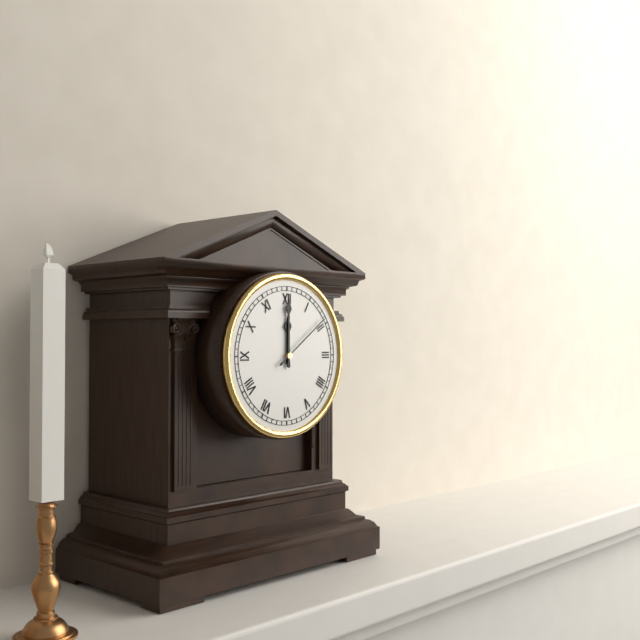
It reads 12,00,09
